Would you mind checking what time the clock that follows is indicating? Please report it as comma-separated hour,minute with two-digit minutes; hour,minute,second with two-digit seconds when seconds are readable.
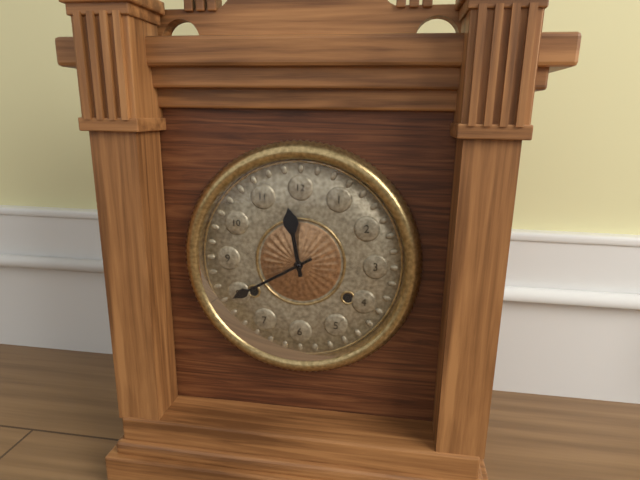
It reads 11,40
